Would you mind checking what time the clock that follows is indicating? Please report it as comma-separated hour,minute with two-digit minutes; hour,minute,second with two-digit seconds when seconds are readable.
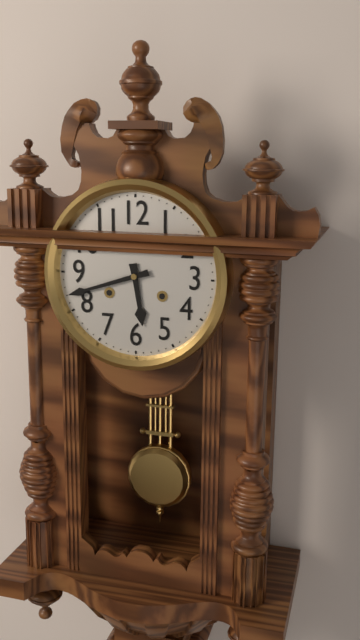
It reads 5,42
